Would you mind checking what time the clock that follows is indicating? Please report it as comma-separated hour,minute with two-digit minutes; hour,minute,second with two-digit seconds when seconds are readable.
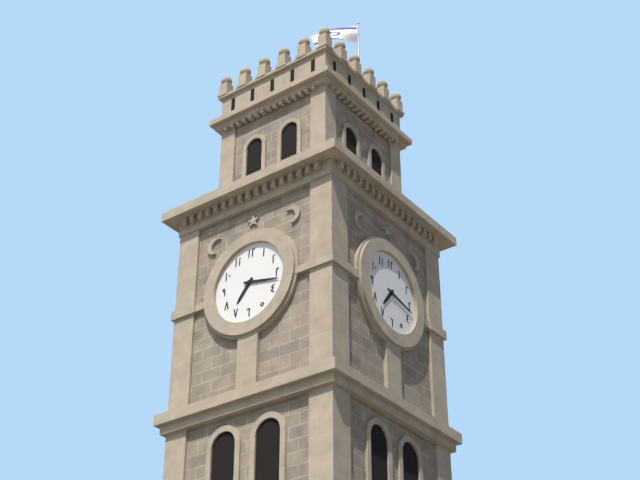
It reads 7,17
